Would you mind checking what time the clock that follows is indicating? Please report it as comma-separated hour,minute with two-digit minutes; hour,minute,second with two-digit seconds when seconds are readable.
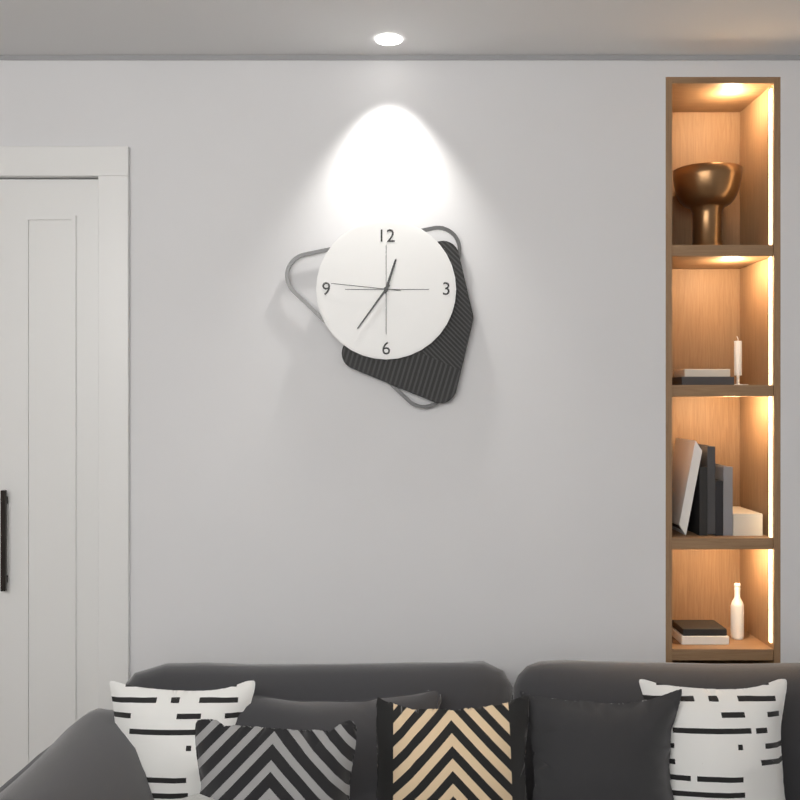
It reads 12,36,46
